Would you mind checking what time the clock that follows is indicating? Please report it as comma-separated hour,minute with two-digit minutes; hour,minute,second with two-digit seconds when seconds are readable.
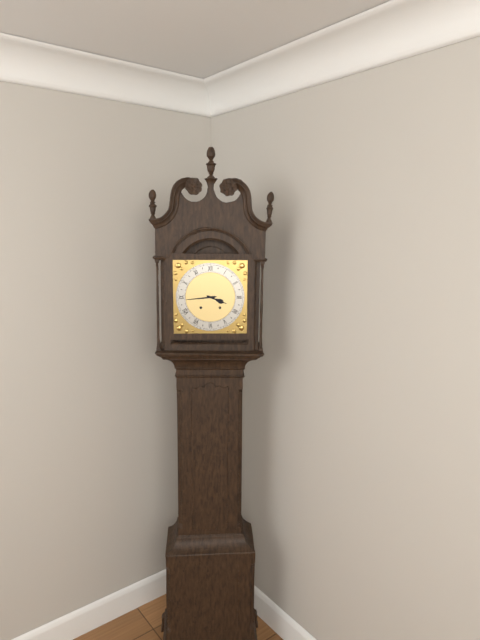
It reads 3,44
